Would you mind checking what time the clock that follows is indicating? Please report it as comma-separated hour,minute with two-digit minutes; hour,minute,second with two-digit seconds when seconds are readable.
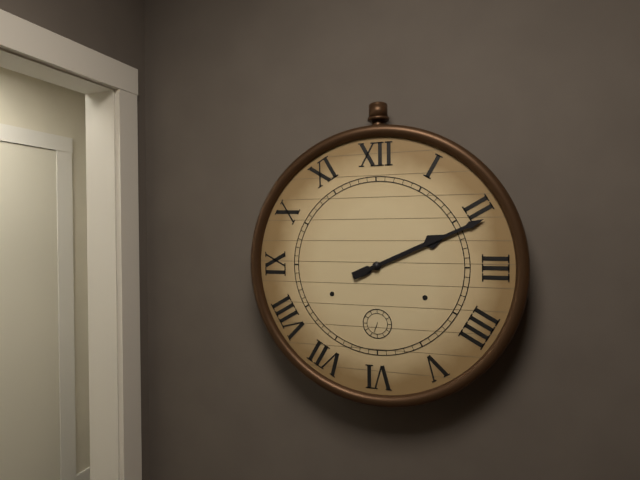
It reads 2,11
